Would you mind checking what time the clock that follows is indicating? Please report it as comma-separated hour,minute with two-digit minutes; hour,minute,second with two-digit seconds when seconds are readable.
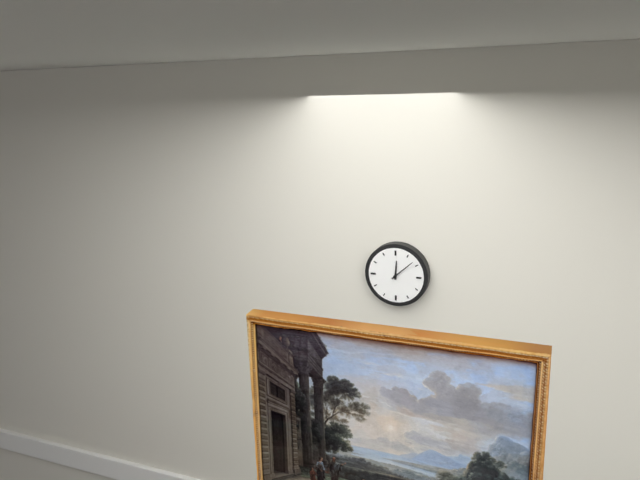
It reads 12,08
